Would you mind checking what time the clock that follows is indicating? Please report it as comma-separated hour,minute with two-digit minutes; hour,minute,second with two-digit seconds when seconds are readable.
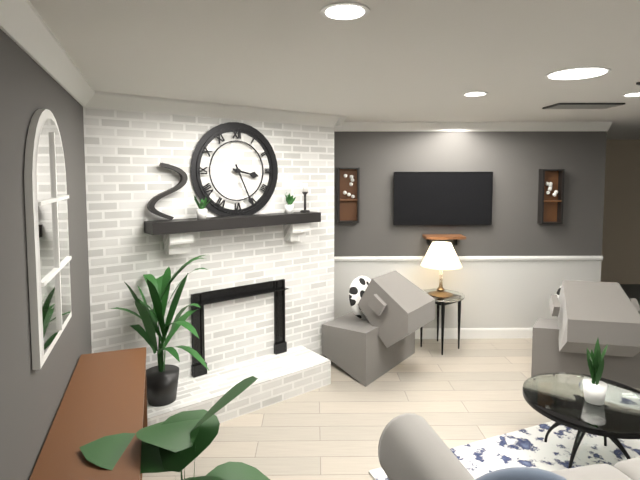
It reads 3,26
